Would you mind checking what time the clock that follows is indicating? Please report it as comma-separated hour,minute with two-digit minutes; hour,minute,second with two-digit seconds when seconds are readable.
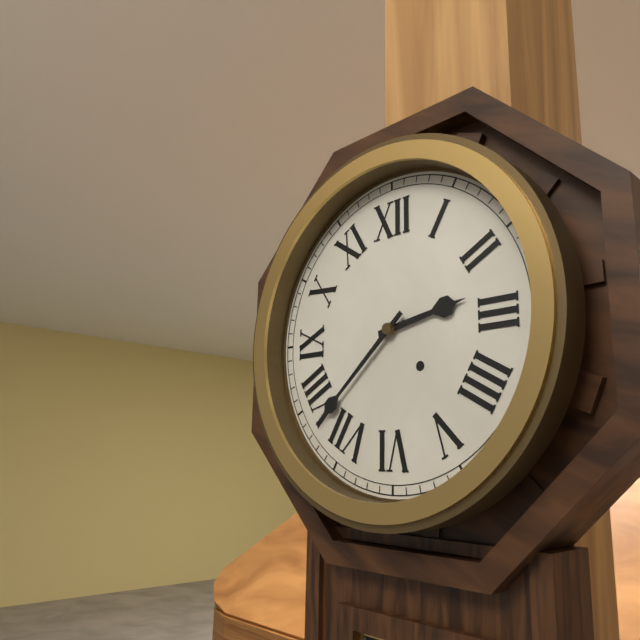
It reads 2,38
